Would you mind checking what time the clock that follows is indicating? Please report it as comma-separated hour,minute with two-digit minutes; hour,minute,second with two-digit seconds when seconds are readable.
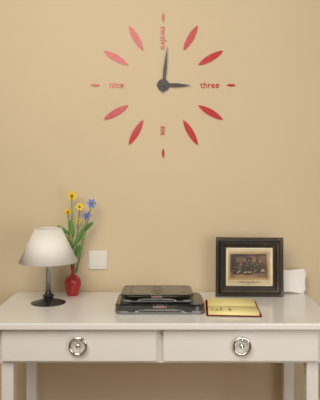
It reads 3,01
